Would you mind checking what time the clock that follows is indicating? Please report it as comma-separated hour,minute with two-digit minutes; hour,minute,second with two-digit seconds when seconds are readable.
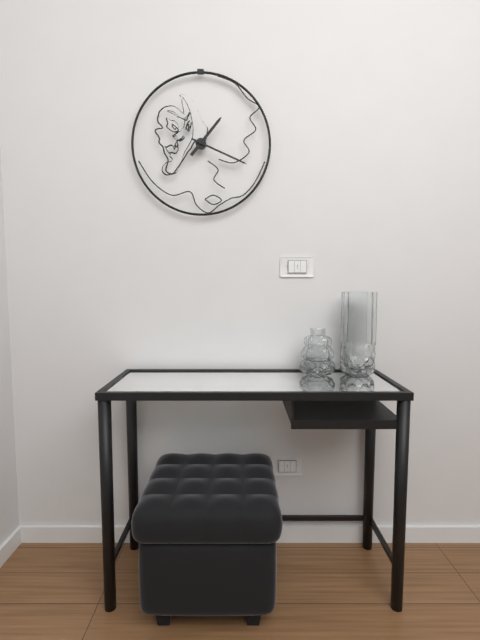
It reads 1,19
